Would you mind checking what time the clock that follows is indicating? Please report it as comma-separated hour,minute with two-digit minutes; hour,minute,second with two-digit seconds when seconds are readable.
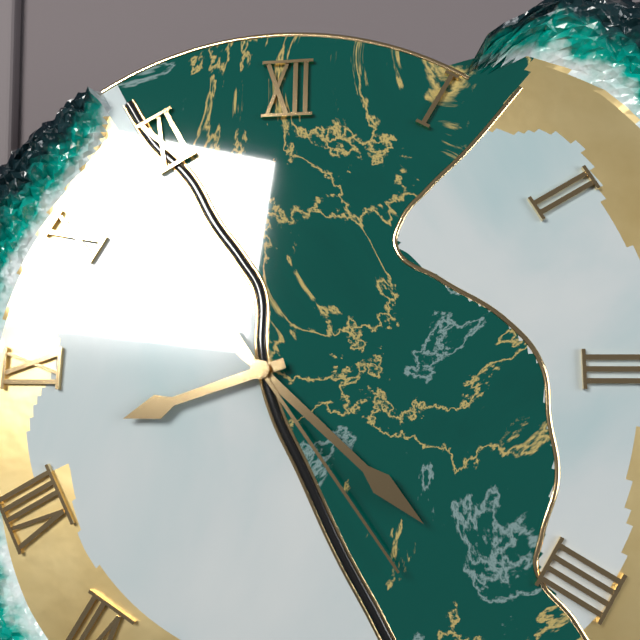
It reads 8,22,24
